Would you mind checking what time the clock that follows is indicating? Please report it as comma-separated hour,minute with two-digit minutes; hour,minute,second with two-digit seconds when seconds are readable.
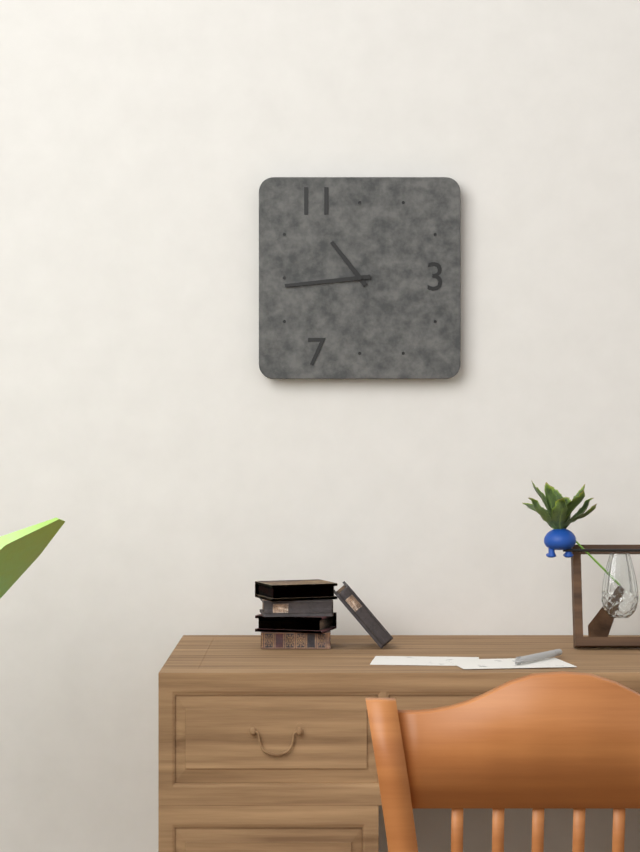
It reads 10,44
